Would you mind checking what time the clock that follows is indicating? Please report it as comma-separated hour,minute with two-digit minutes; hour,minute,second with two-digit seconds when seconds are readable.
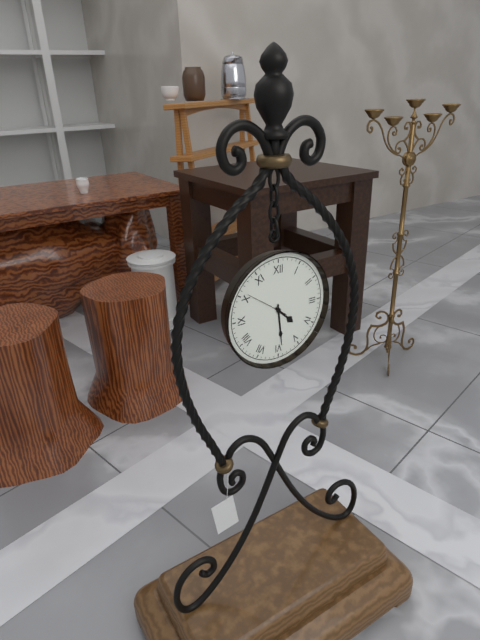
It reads 4,29
